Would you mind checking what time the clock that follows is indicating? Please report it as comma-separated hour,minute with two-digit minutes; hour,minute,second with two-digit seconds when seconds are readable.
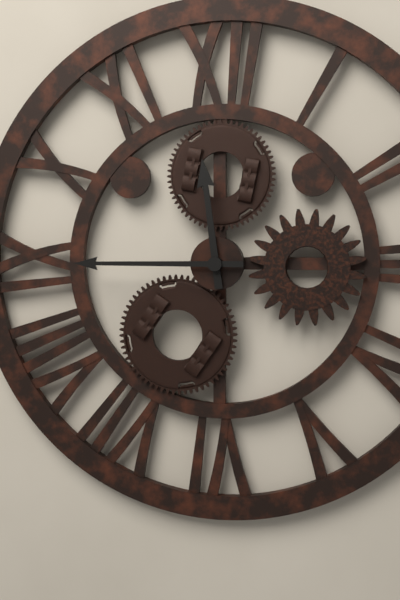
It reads 11,45
